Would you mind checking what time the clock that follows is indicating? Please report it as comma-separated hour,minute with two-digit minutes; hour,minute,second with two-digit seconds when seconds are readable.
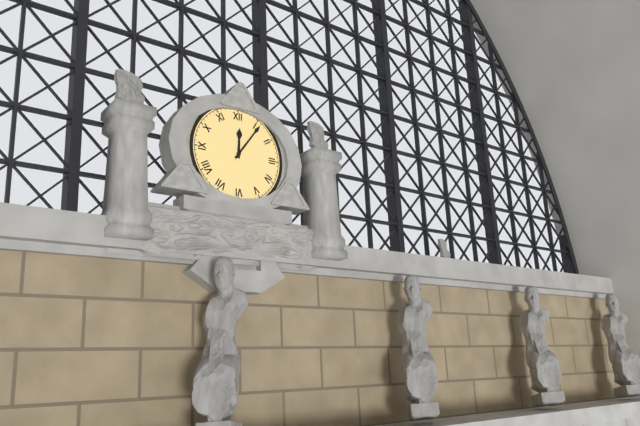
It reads 12,06
